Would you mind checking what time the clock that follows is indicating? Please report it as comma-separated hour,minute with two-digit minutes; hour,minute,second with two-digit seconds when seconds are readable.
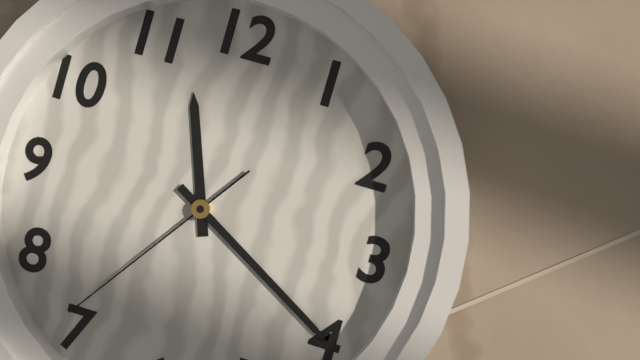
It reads 11,20,36
